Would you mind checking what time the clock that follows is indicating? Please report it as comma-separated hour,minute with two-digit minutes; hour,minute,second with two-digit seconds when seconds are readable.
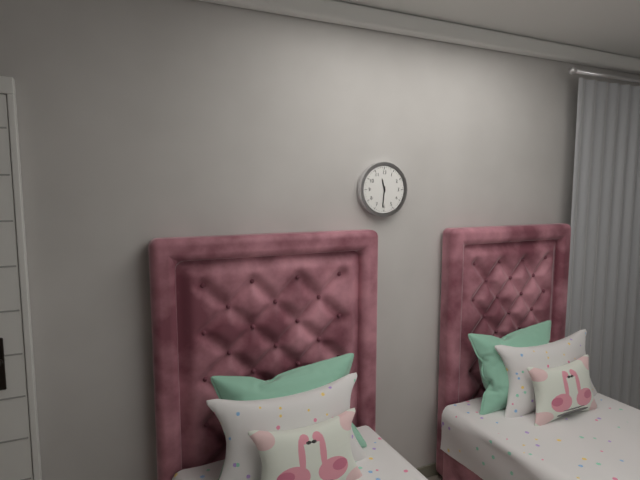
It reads 11,31
